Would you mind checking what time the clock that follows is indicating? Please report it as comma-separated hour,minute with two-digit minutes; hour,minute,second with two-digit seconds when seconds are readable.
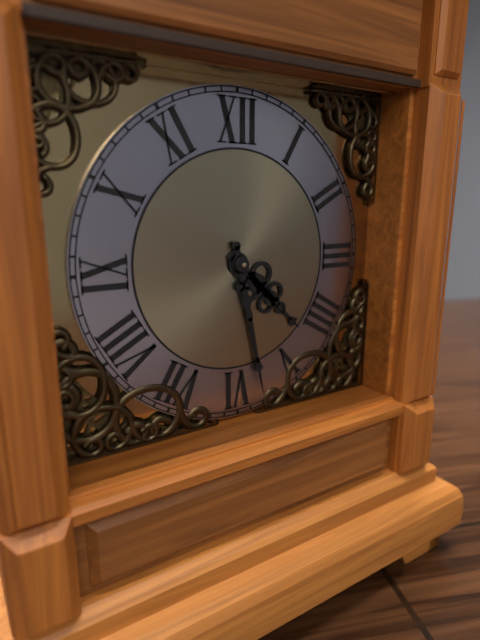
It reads 4,28
